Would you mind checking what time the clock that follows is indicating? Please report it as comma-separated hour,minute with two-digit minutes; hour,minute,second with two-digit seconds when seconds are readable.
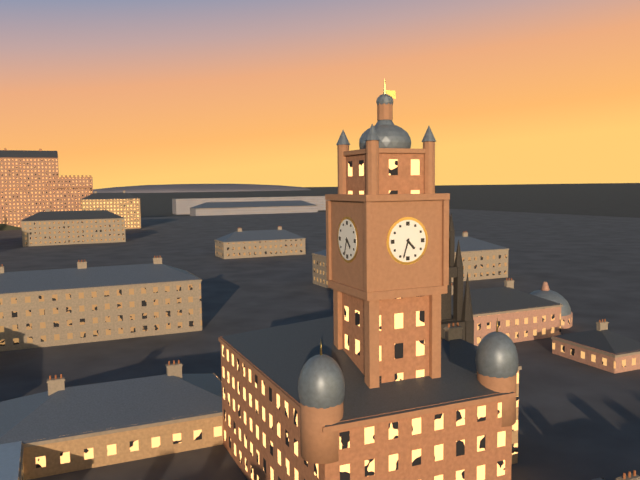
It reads 4,33
